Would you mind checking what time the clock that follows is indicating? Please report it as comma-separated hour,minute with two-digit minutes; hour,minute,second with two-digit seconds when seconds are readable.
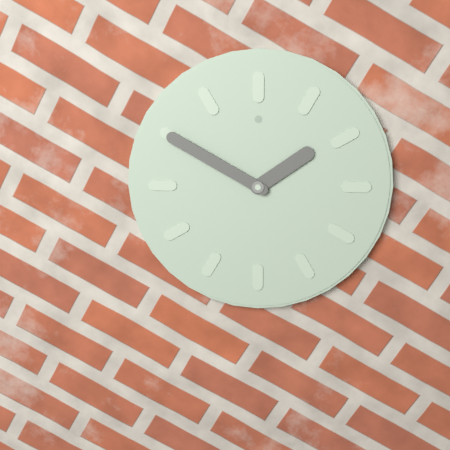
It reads 1,50
